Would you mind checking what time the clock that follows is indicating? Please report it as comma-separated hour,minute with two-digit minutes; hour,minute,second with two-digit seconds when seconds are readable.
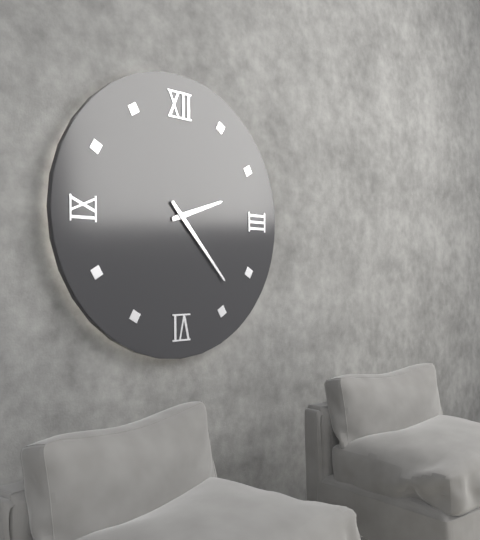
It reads 2,23
